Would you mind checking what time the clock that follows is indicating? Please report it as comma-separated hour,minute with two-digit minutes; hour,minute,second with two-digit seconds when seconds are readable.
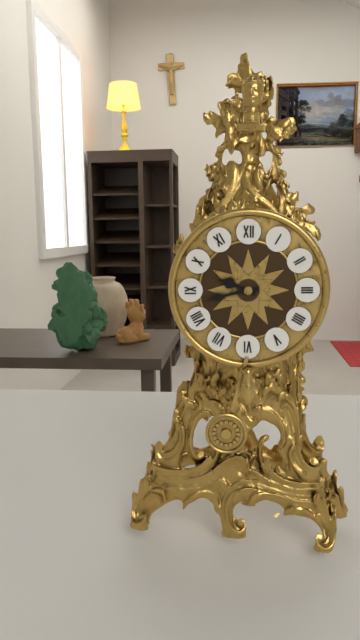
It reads 9,43
